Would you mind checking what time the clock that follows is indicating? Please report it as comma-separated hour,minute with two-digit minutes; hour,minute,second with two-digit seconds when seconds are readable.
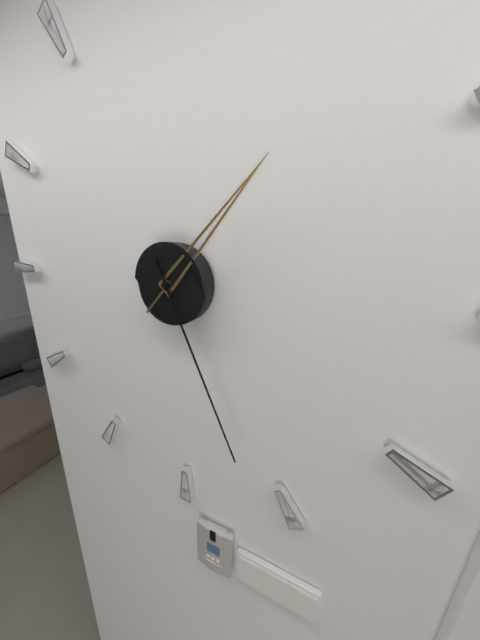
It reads 1,26
